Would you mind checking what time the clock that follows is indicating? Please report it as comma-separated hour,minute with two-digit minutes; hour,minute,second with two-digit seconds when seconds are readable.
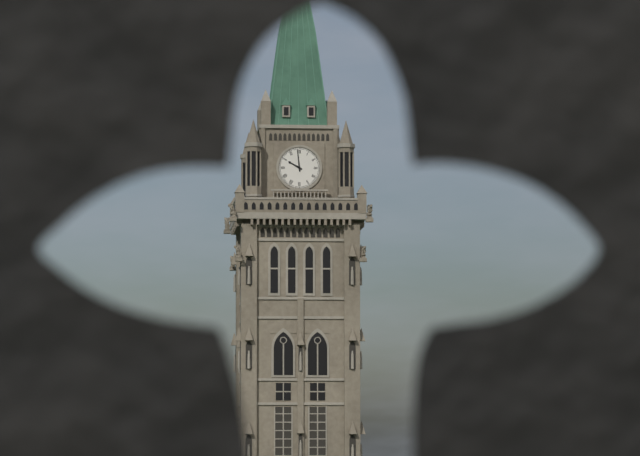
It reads 9,59
